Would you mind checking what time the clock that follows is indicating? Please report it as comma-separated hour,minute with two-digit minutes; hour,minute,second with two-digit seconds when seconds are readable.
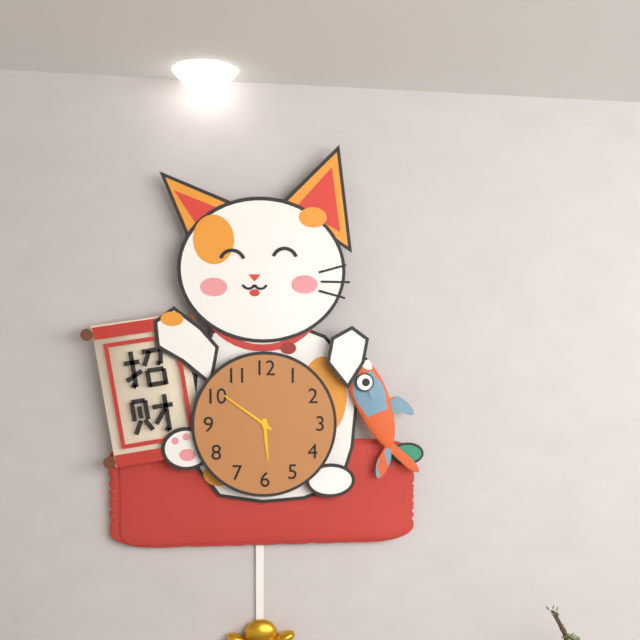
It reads 5,51
